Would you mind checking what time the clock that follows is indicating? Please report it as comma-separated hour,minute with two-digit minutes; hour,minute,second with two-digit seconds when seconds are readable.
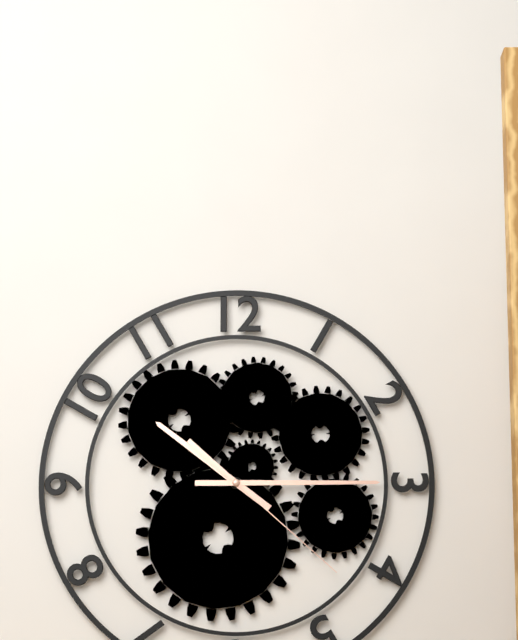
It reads 10,15,22
